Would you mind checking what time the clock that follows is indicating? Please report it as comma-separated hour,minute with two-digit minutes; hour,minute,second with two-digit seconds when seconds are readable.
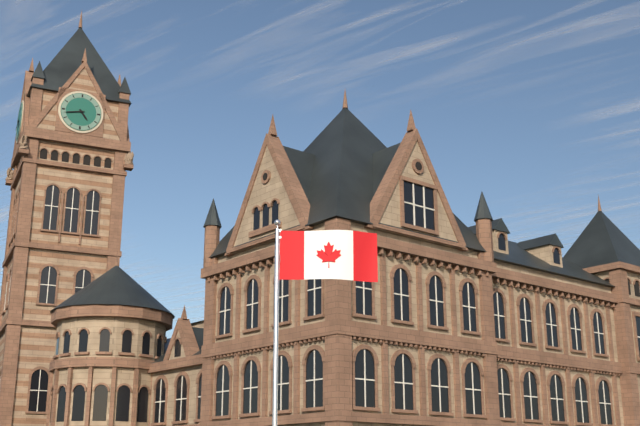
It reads 4,43
